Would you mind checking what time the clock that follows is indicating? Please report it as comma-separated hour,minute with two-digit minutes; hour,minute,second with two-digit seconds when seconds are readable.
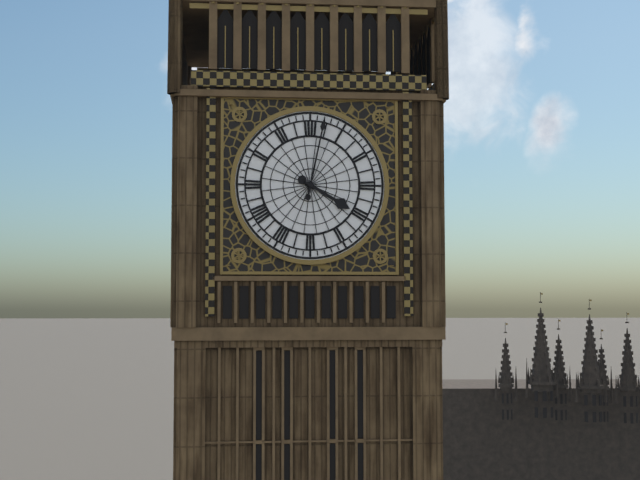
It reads 4,02
